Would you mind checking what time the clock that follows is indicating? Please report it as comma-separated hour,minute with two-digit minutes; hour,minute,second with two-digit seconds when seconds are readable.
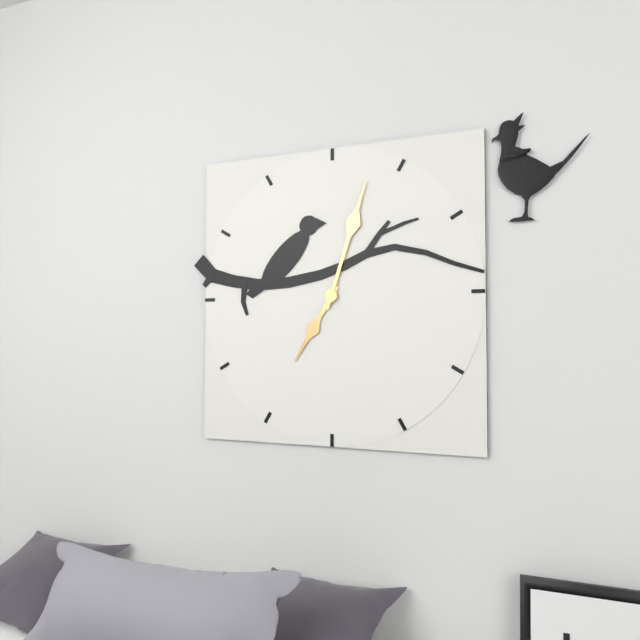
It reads 7,03
